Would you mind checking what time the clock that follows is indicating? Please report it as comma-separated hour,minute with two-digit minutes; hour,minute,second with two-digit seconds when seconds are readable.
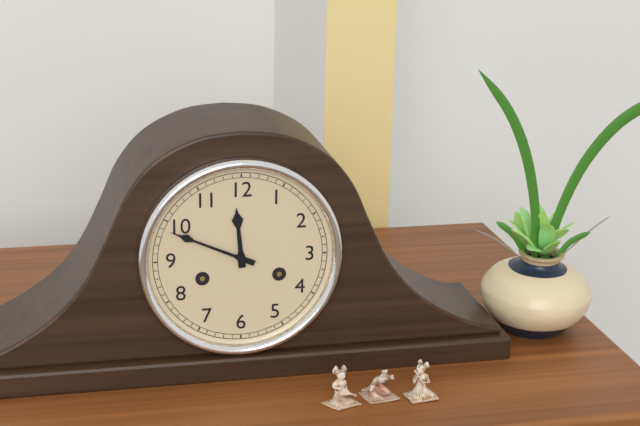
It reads 11,49
